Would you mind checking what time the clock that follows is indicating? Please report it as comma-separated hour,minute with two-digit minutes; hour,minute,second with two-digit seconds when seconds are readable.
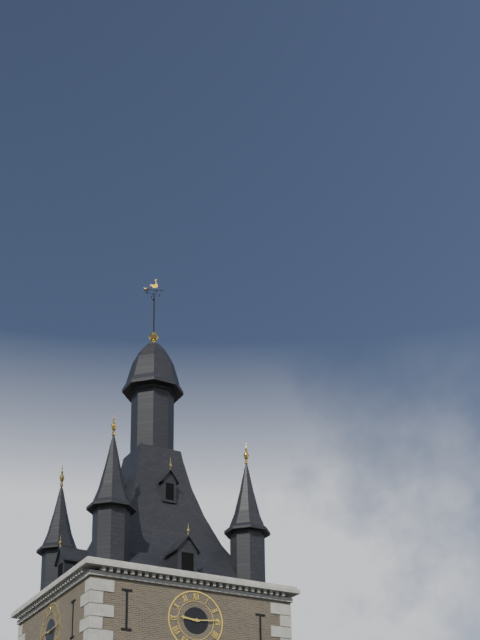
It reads 9,14
